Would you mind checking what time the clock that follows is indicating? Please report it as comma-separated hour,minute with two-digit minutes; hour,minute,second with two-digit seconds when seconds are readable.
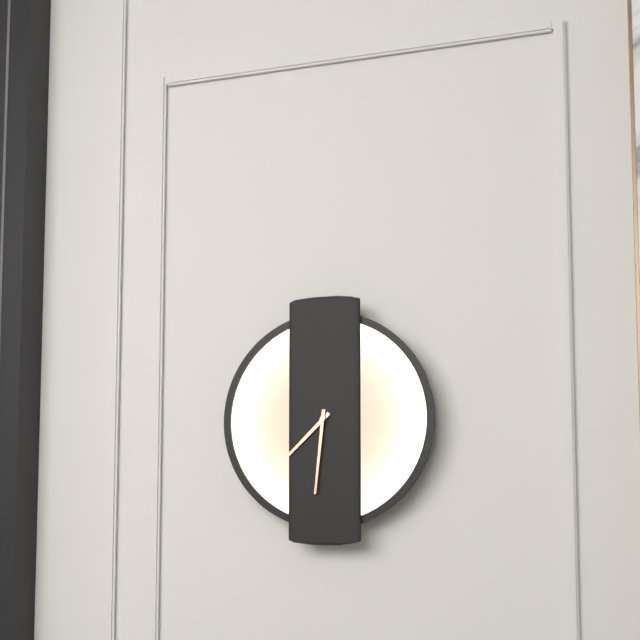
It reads 7,31
